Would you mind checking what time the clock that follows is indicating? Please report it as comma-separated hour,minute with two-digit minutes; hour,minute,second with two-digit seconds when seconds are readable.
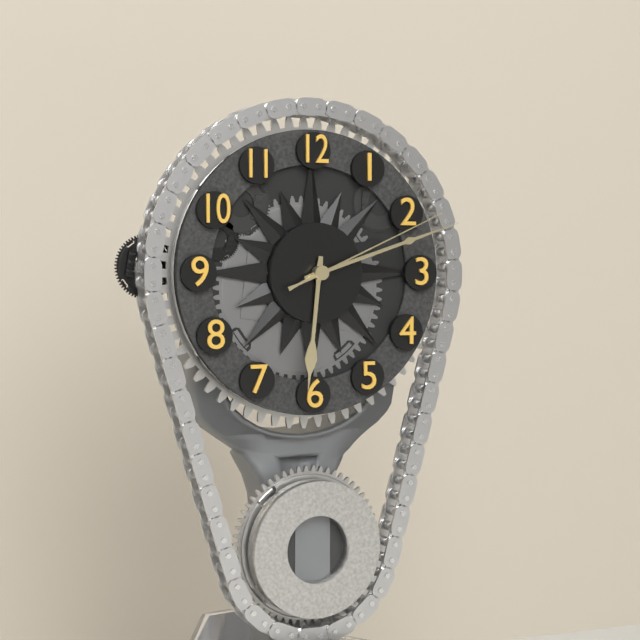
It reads 6,12,11
